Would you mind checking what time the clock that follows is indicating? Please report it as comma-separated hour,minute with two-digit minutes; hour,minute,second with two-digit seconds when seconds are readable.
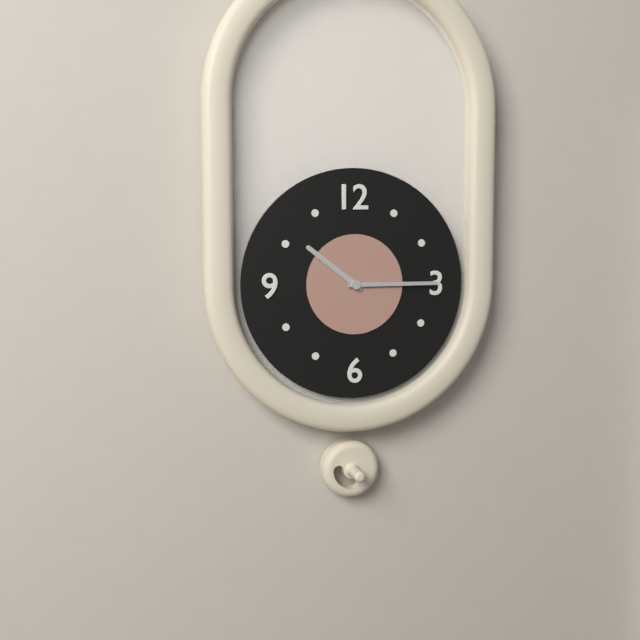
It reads 10,15
